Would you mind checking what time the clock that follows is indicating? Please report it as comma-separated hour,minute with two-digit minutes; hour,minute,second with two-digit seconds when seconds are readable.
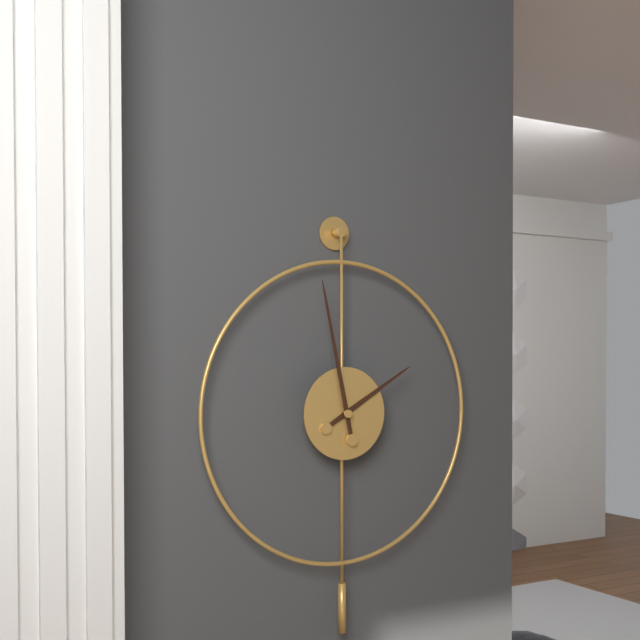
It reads 1,58
